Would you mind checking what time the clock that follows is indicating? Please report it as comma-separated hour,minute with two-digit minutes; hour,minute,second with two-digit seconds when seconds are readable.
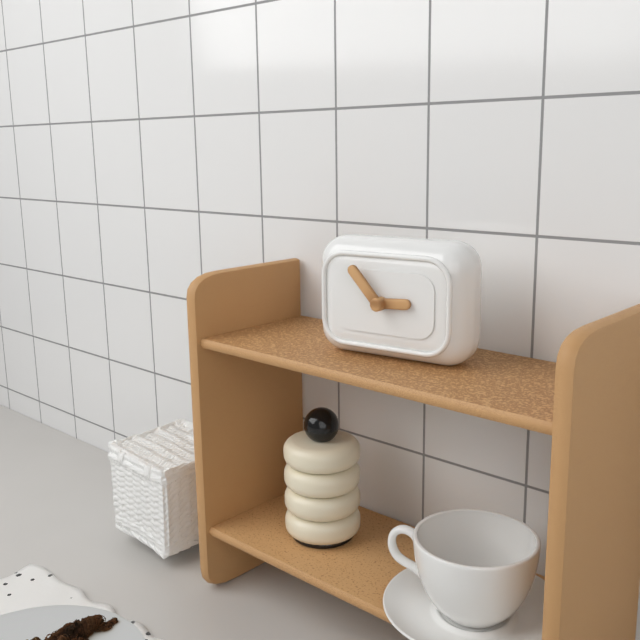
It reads 2,53
